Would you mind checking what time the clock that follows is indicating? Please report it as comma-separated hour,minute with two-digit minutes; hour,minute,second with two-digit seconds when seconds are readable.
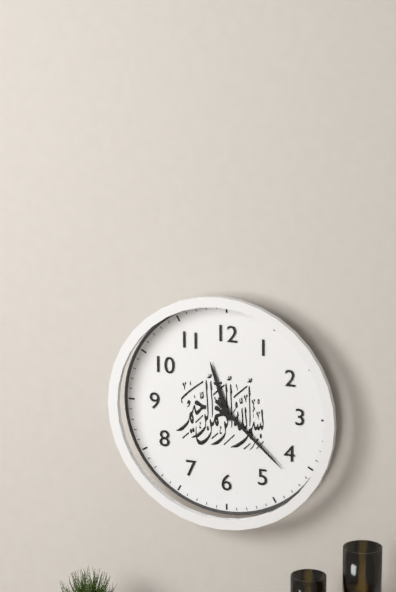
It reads 11,22
